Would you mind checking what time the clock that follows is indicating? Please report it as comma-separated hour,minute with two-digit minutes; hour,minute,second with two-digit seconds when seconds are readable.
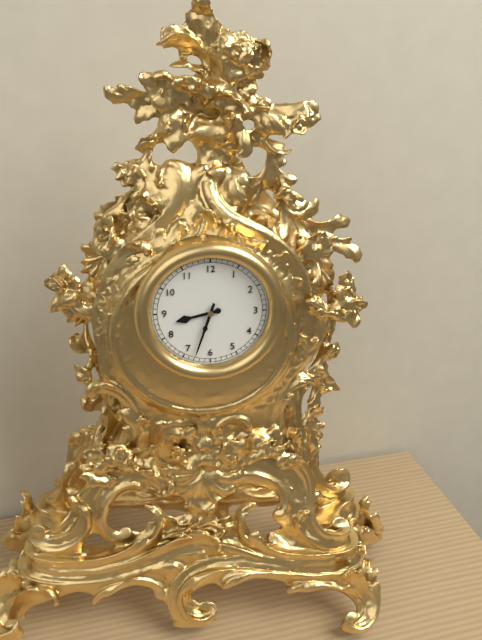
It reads 8,33
